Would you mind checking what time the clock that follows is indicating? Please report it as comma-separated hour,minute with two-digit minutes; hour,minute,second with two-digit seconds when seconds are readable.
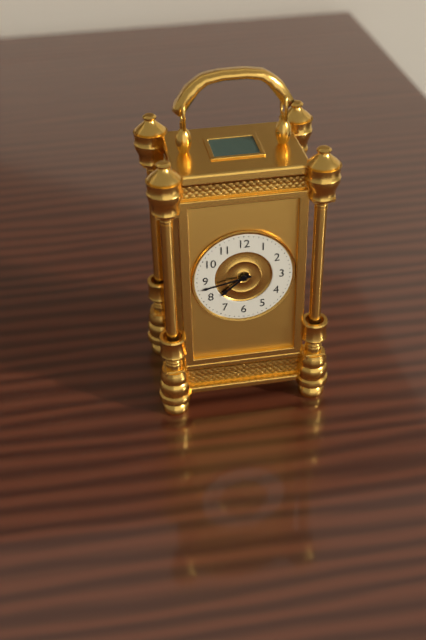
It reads 7,43
